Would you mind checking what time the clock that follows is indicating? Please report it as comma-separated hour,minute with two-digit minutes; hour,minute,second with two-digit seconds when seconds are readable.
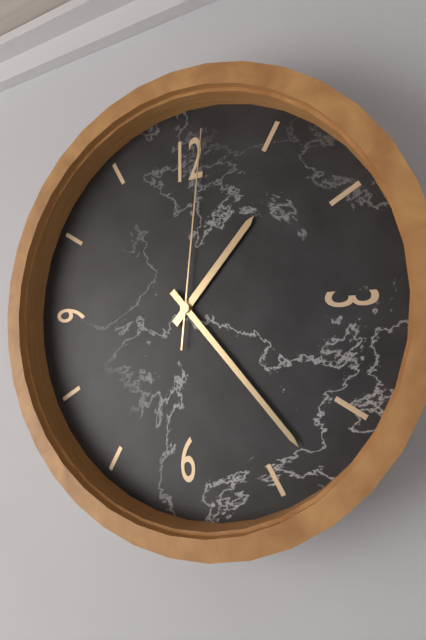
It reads 1,23,01
